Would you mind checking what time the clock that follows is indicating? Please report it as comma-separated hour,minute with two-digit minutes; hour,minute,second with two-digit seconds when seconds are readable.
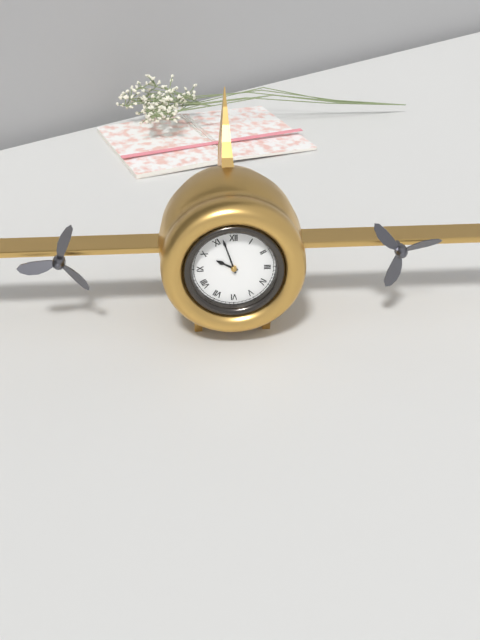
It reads 9,57
